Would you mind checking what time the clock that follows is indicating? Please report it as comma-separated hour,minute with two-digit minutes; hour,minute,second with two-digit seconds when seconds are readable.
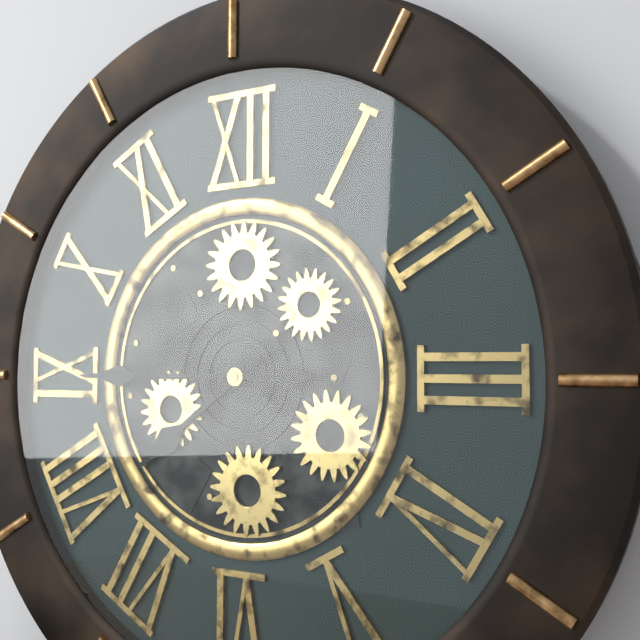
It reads 7,45
